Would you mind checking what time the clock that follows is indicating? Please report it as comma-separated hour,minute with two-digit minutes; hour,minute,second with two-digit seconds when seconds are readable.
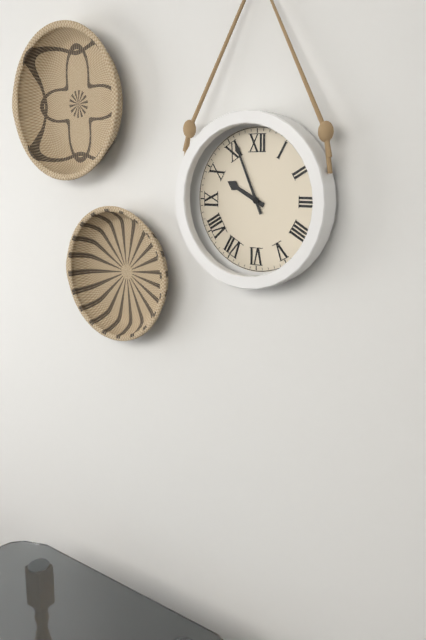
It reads 9,56
